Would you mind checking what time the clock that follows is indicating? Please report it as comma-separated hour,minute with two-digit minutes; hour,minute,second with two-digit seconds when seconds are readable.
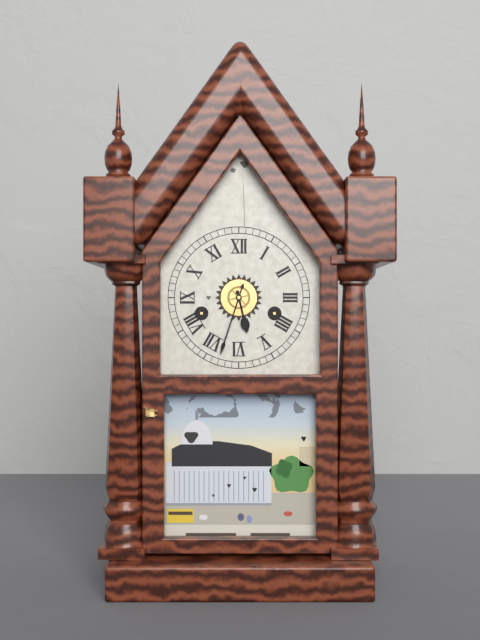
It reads 5,33
